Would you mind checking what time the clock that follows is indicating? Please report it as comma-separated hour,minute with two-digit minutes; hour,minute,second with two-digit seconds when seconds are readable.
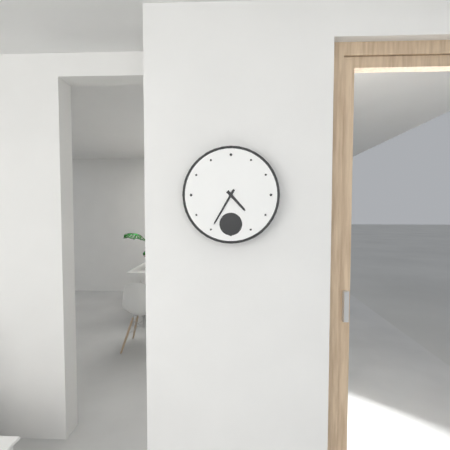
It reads 4,35
